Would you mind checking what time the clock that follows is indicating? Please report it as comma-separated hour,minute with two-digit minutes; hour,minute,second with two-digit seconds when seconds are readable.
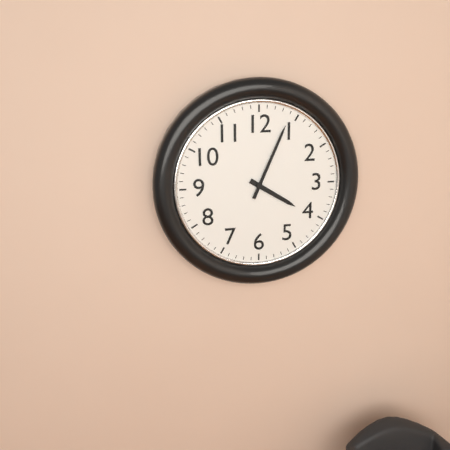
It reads 4,04
